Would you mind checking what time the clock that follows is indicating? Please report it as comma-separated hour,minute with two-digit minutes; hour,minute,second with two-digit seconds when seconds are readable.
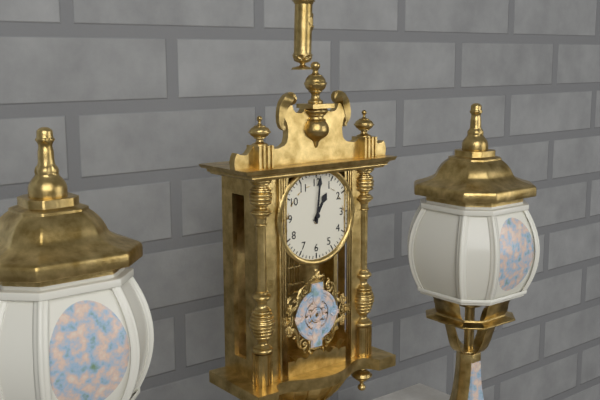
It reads 1,01
